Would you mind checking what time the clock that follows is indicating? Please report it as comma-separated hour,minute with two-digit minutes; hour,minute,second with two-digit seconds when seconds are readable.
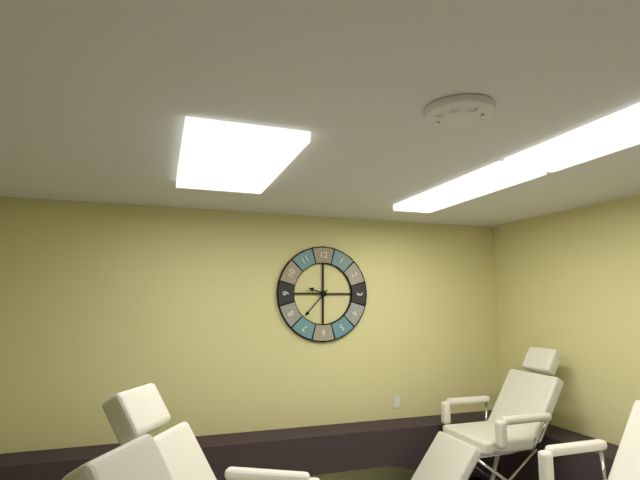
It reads 9,37
